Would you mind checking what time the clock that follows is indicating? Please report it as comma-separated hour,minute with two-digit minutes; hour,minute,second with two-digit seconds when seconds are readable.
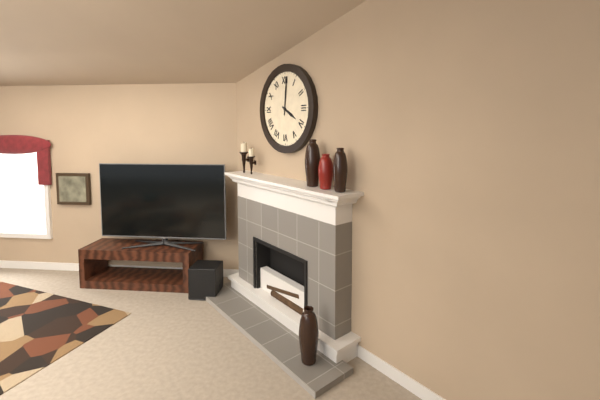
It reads 4,01
